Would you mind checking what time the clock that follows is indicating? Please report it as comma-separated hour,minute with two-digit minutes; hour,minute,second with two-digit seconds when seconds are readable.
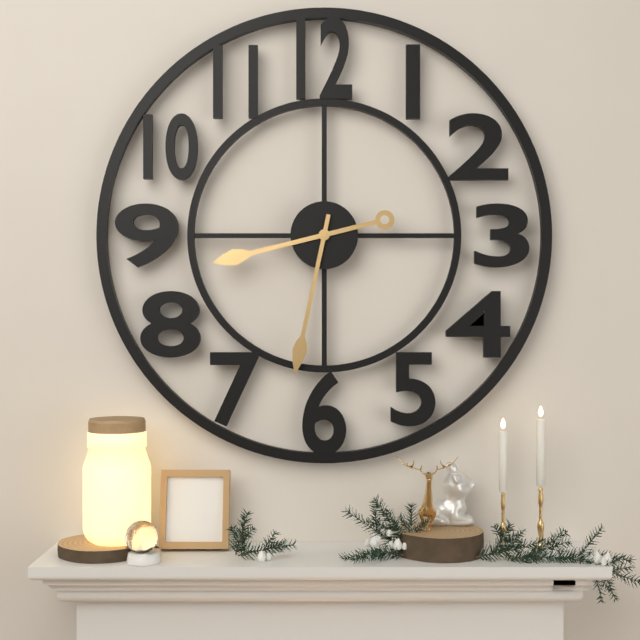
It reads 8,32
